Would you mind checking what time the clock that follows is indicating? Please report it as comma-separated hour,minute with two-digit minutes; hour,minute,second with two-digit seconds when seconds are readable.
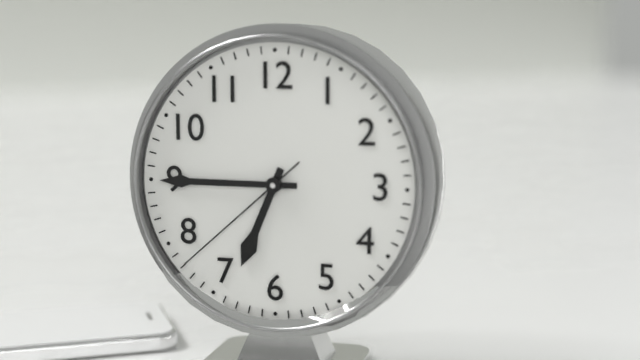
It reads 6,45,38
